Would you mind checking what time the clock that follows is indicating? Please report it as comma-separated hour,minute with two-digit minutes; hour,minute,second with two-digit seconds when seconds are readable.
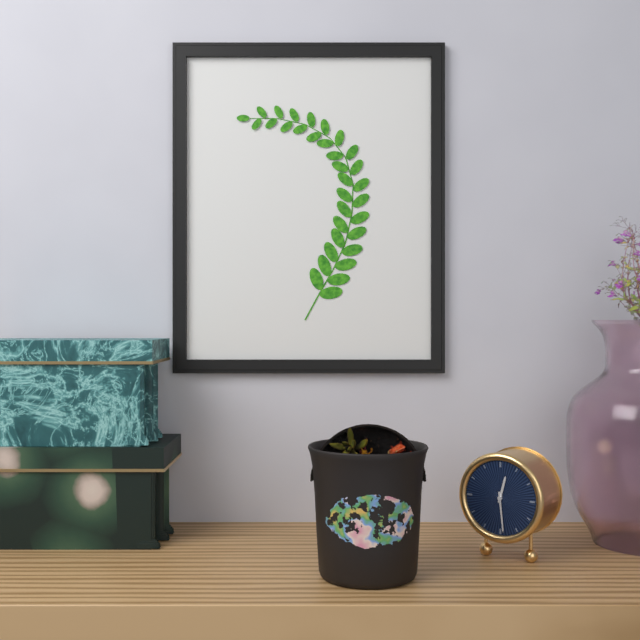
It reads 12,29
